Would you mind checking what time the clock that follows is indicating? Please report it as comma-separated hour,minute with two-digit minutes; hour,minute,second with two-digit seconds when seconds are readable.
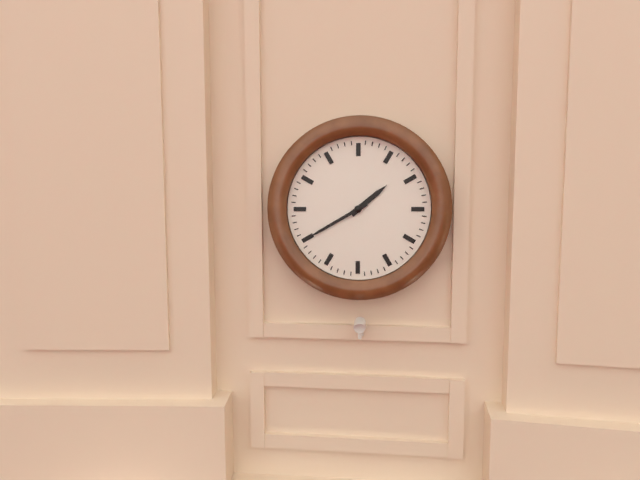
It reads 1,40
